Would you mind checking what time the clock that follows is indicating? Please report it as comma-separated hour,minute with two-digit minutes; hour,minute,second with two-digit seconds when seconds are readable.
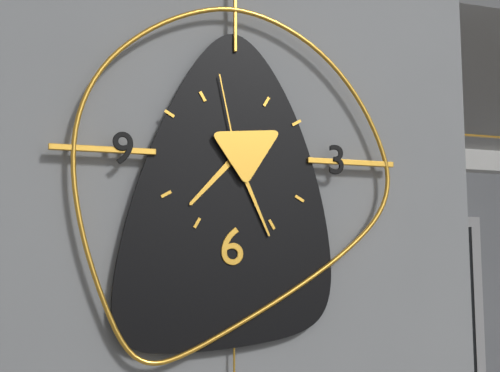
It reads 7,26,58
